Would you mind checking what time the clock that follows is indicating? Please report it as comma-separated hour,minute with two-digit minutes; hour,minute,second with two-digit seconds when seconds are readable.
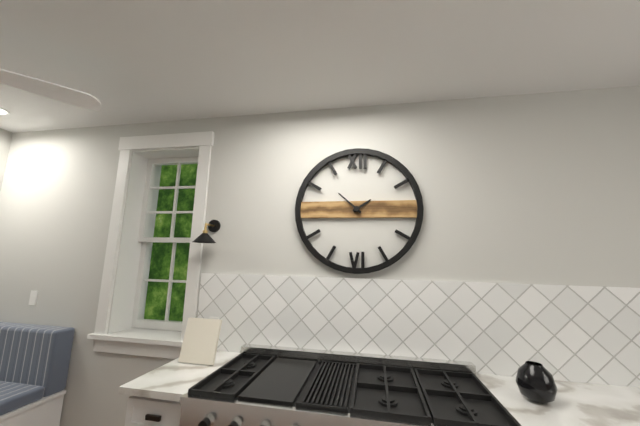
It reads 1,52
